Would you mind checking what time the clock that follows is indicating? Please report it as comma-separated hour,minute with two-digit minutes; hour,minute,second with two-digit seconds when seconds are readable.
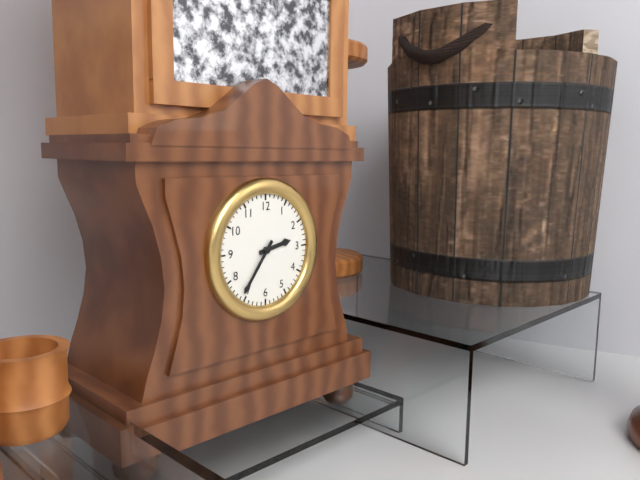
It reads 2,36
